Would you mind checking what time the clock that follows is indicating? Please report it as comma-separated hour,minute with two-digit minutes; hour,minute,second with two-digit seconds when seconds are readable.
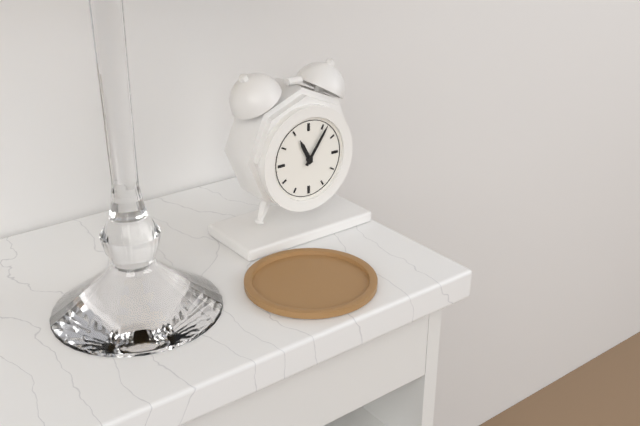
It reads 11,06
